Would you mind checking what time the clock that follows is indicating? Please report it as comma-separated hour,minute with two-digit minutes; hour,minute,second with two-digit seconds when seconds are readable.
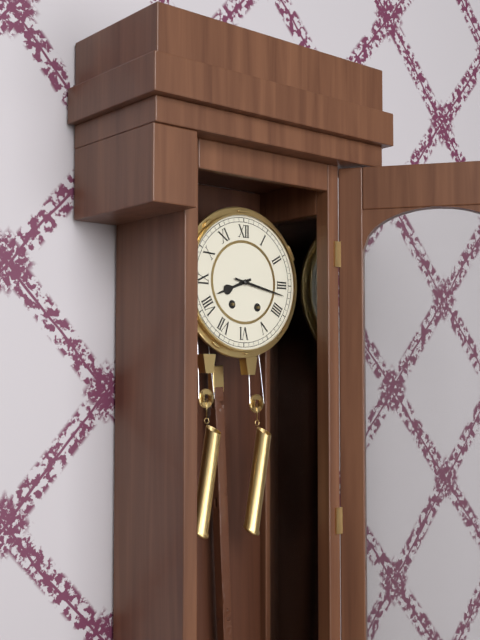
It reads 8,17
